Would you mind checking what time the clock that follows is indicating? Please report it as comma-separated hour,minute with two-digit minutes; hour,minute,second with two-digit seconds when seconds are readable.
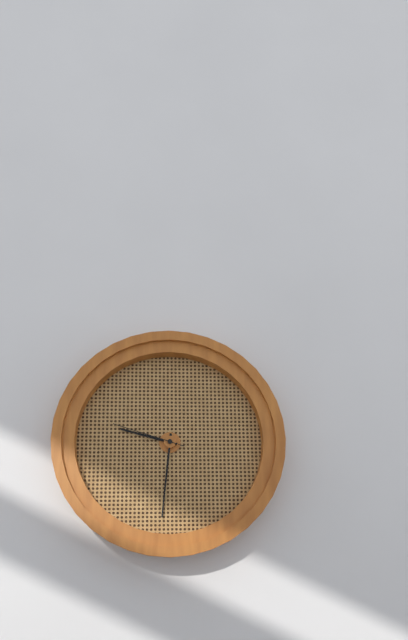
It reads 9,31,48
